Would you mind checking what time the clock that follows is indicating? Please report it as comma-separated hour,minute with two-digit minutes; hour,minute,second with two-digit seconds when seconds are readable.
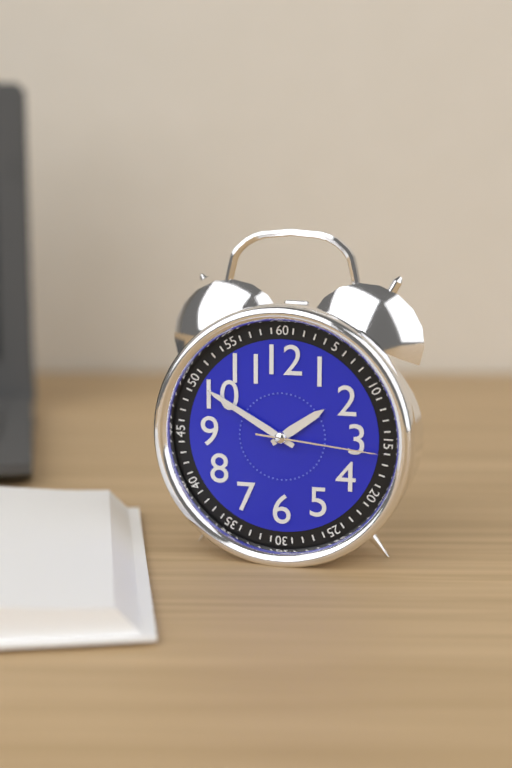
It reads 1,50,16
